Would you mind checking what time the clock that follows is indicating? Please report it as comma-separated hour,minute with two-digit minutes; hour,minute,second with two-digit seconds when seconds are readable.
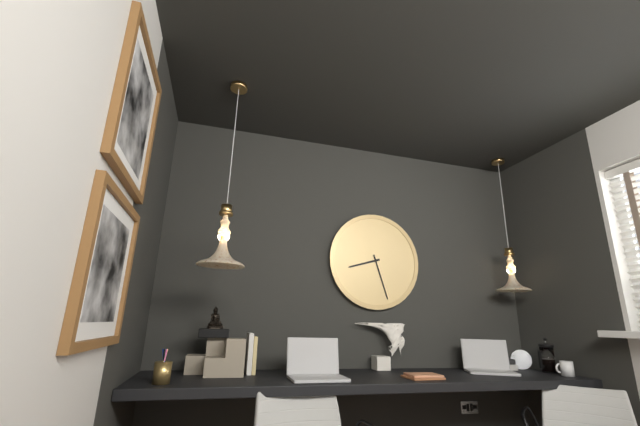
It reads 8,27
